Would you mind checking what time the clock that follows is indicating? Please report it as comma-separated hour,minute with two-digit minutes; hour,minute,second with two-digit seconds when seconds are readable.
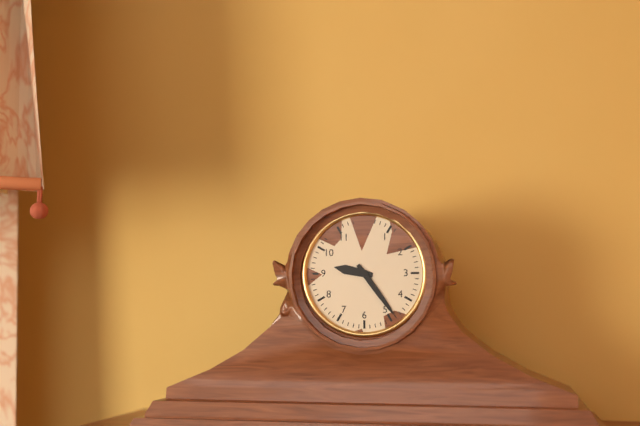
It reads 9,24
